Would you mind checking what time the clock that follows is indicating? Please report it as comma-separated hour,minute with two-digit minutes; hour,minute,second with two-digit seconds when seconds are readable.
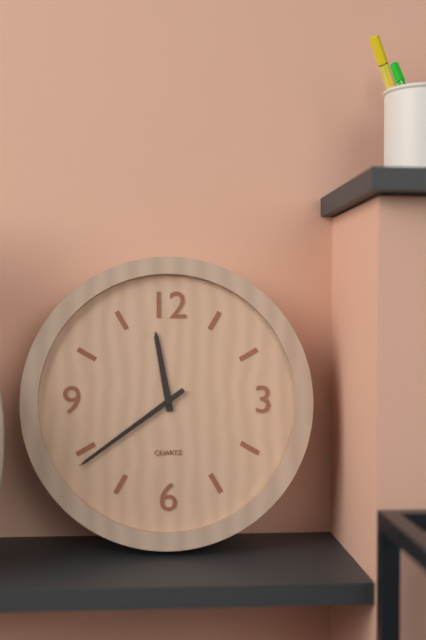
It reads 11,39
